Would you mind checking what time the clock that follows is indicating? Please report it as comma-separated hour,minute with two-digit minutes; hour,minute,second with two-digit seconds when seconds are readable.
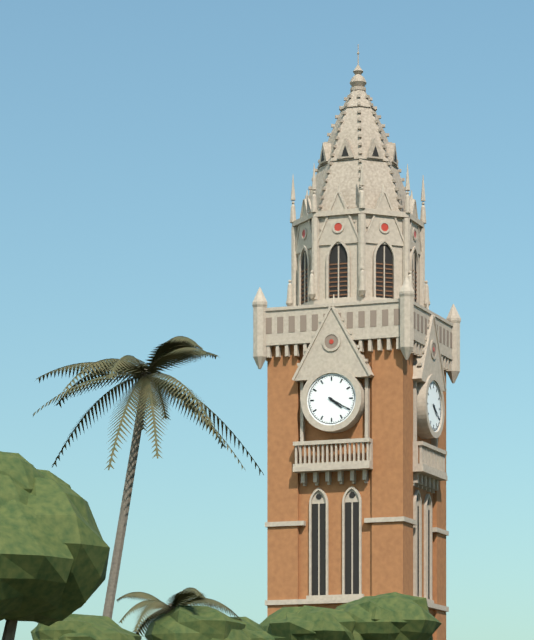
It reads 4,20
